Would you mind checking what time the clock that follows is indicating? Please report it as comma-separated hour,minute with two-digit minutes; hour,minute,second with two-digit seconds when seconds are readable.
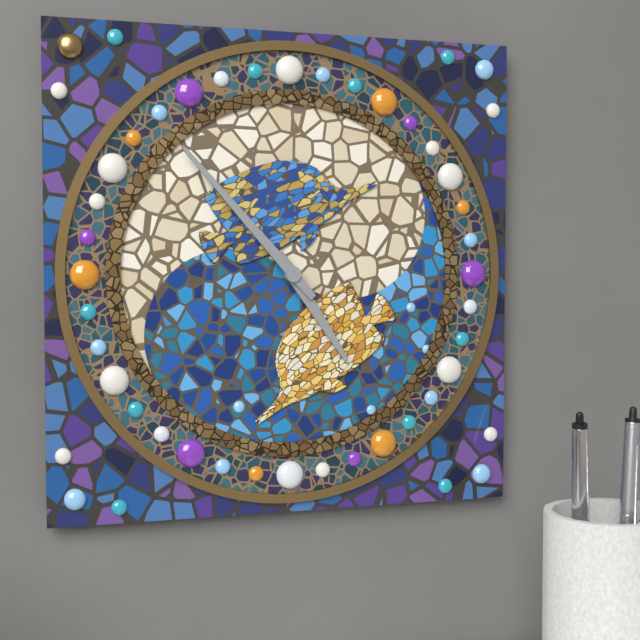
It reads 4,53
